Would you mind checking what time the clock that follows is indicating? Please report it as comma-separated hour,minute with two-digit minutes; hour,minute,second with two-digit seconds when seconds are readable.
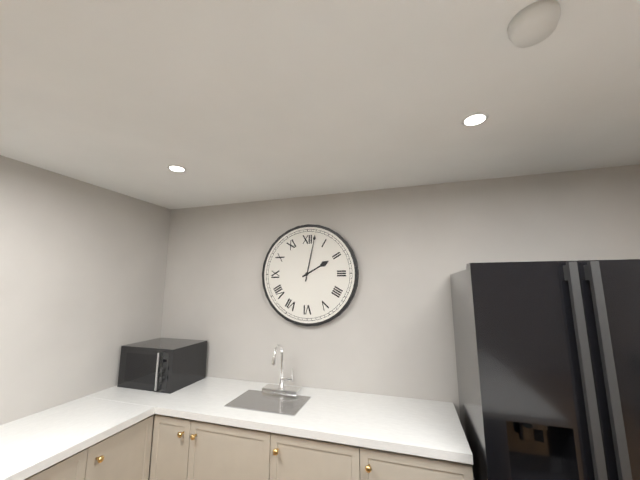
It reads 2,02
